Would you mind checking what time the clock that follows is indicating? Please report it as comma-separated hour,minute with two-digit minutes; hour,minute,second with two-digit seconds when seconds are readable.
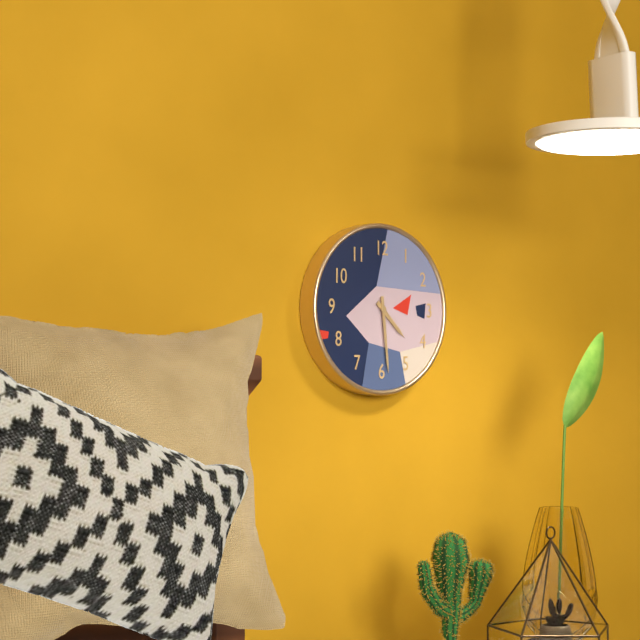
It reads 4,29
